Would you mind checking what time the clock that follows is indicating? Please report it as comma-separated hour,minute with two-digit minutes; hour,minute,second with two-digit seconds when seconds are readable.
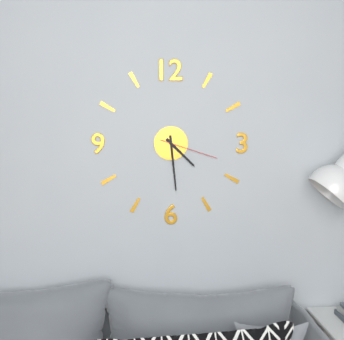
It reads 4,29,18
